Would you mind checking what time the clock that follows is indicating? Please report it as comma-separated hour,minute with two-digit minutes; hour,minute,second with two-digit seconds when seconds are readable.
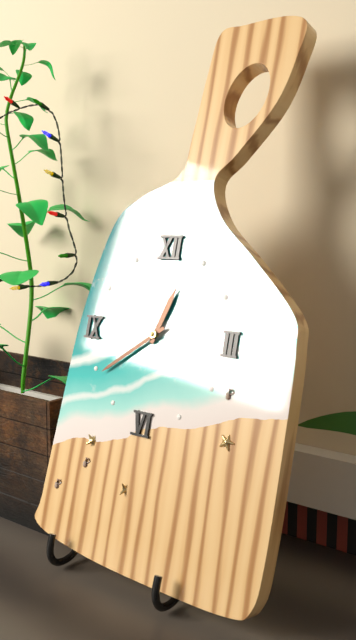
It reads 12,39
